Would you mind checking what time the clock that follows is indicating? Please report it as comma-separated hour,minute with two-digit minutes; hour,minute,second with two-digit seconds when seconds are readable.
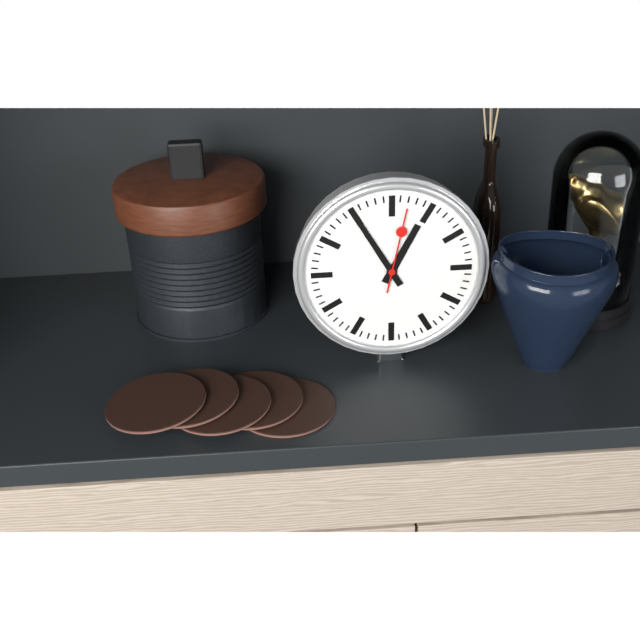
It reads 12,55,02
